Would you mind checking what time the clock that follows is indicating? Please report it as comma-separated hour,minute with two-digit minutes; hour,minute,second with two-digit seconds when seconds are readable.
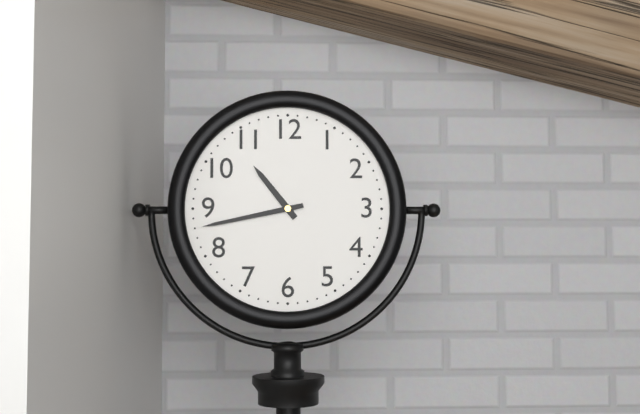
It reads 10,43
